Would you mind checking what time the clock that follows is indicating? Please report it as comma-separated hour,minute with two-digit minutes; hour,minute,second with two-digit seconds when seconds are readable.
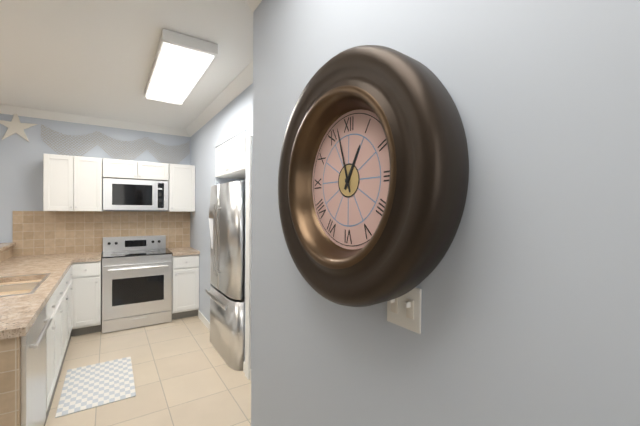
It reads 12,57
